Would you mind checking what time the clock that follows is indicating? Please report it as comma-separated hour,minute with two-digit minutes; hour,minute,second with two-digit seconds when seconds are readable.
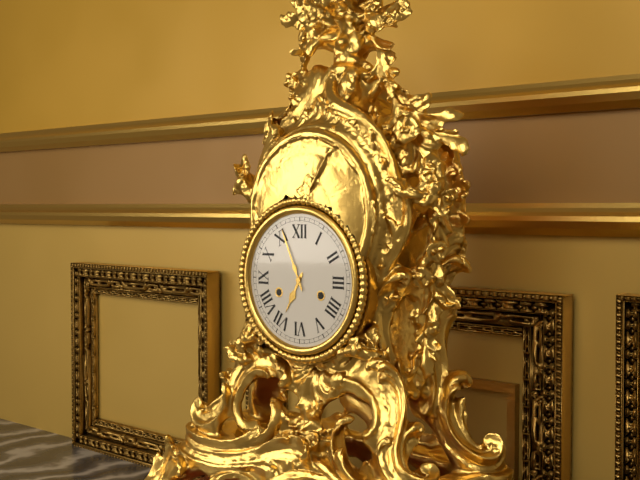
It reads 6,56
